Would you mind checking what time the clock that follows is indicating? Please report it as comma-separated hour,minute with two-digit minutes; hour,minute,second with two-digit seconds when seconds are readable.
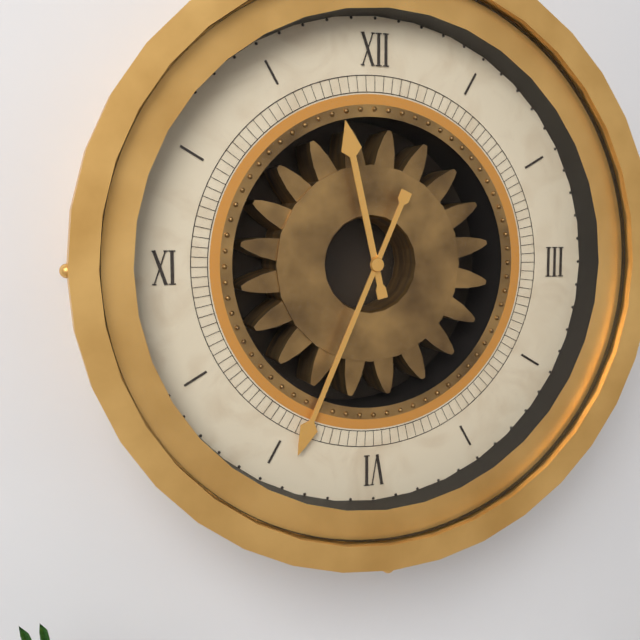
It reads 11,34
